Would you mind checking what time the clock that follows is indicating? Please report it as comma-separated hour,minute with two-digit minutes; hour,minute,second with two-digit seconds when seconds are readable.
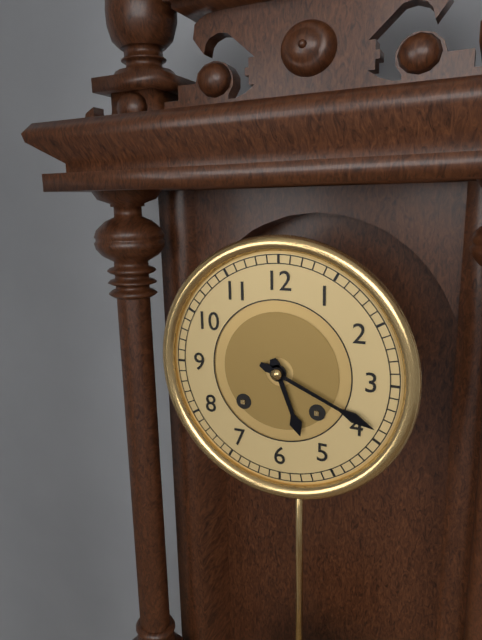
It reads 5,19
